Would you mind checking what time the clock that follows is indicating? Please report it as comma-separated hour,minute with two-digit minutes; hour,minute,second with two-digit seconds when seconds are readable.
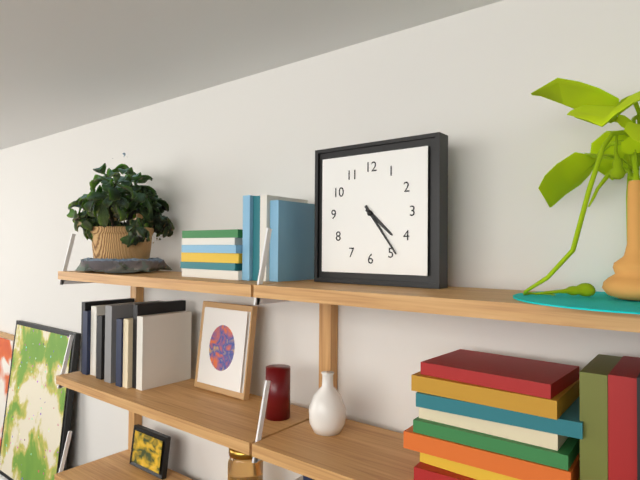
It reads 4,24
